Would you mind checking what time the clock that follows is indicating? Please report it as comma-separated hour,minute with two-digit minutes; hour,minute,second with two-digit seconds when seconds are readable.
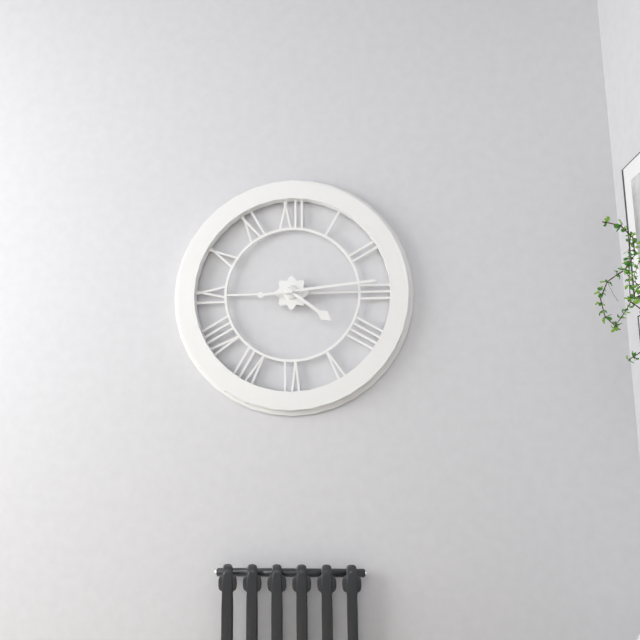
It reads 4,14
